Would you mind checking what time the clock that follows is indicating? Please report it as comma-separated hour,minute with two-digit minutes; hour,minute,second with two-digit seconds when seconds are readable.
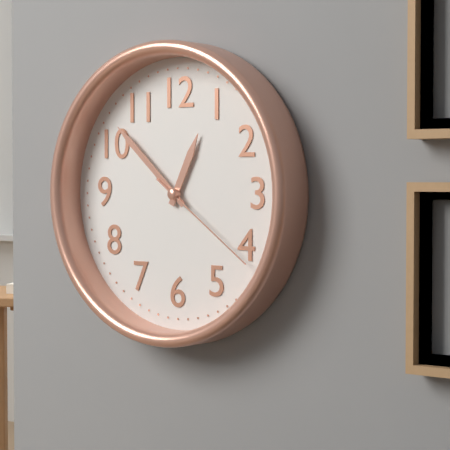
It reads 12,52,21
